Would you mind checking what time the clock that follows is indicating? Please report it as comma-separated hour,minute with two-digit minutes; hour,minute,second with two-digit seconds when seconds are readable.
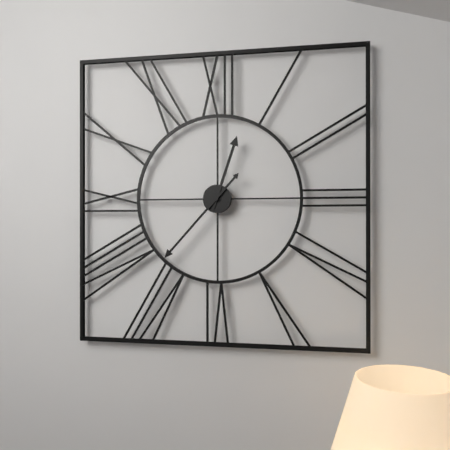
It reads 12,37
